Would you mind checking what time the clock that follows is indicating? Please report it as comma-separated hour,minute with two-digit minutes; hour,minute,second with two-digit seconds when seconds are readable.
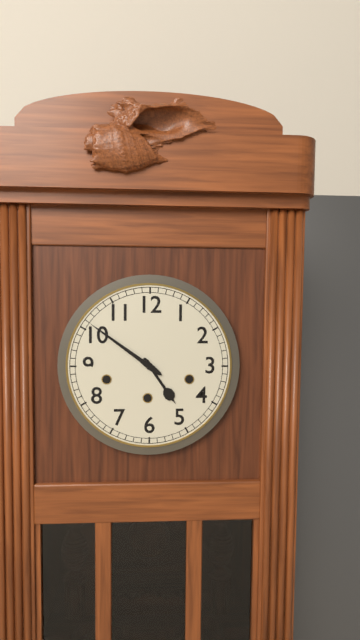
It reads 4,51
